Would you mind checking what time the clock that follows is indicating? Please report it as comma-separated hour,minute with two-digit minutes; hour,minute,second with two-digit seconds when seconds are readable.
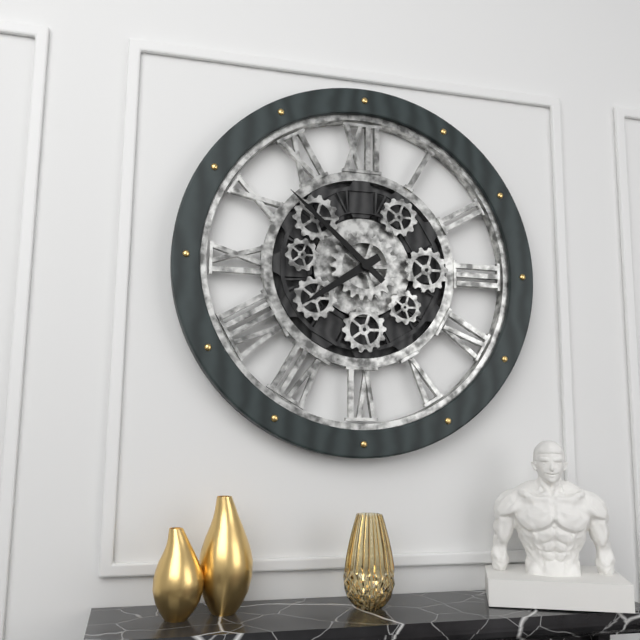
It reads 7,52
